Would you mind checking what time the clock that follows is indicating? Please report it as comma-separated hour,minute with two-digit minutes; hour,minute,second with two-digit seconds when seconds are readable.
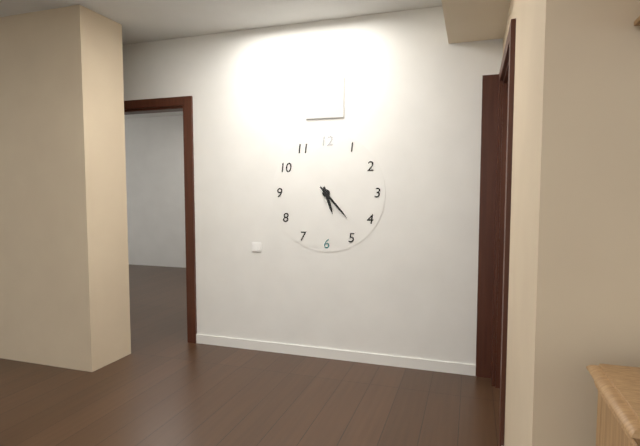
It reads 5,23
